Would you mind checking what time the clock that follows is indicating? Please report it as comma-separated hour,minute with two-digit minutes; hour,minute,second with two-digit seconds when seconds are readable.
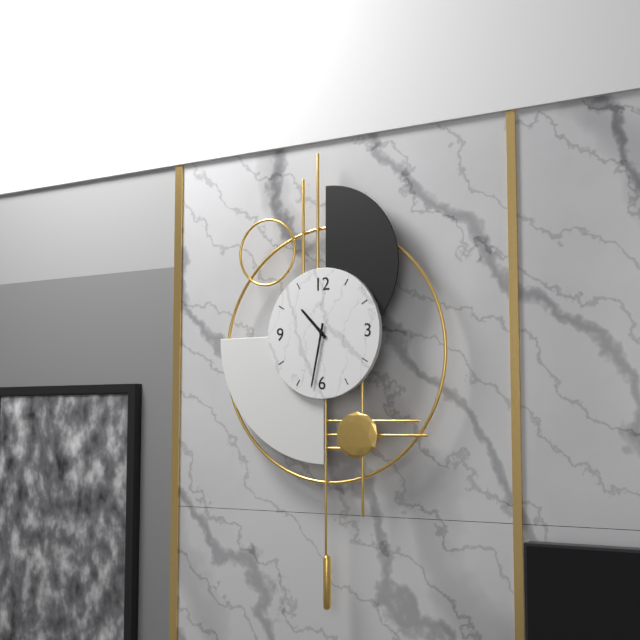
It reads 10,32
